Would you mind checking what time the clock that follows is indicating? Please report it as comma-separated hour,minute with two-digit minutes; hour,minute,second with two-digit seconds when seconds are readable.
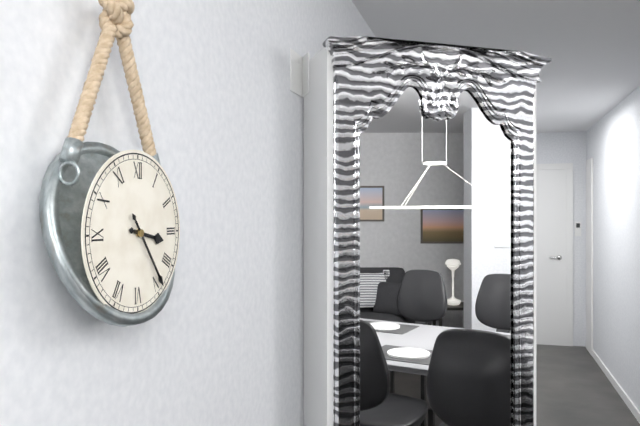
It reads 3,24
